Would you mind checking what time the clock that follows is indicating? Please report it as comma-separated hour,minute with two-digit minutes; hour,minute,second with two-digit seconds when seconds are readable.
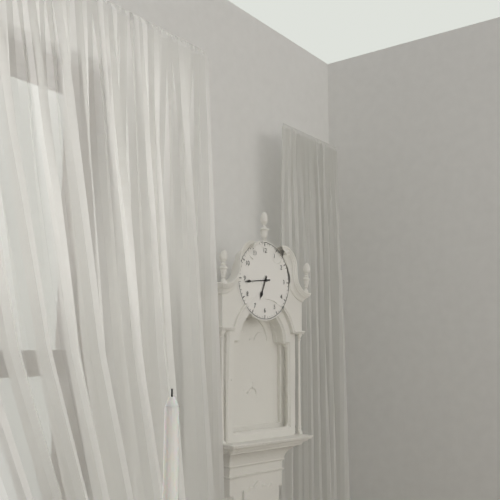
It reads 6,44
